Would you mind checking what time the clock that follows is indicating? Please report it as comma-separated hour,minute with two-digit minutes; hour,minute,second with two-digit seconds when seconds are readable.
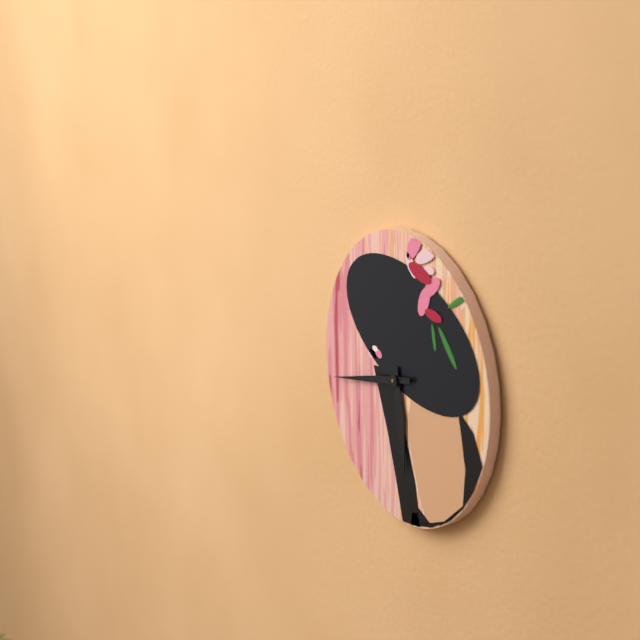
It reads 5,43
